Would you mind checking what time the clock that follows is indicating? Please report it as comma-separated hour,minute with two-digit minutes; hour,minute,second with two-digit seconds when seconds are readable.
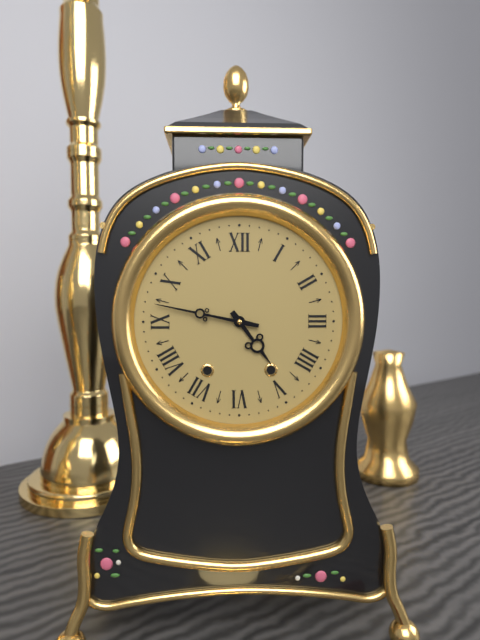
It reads 4,47
